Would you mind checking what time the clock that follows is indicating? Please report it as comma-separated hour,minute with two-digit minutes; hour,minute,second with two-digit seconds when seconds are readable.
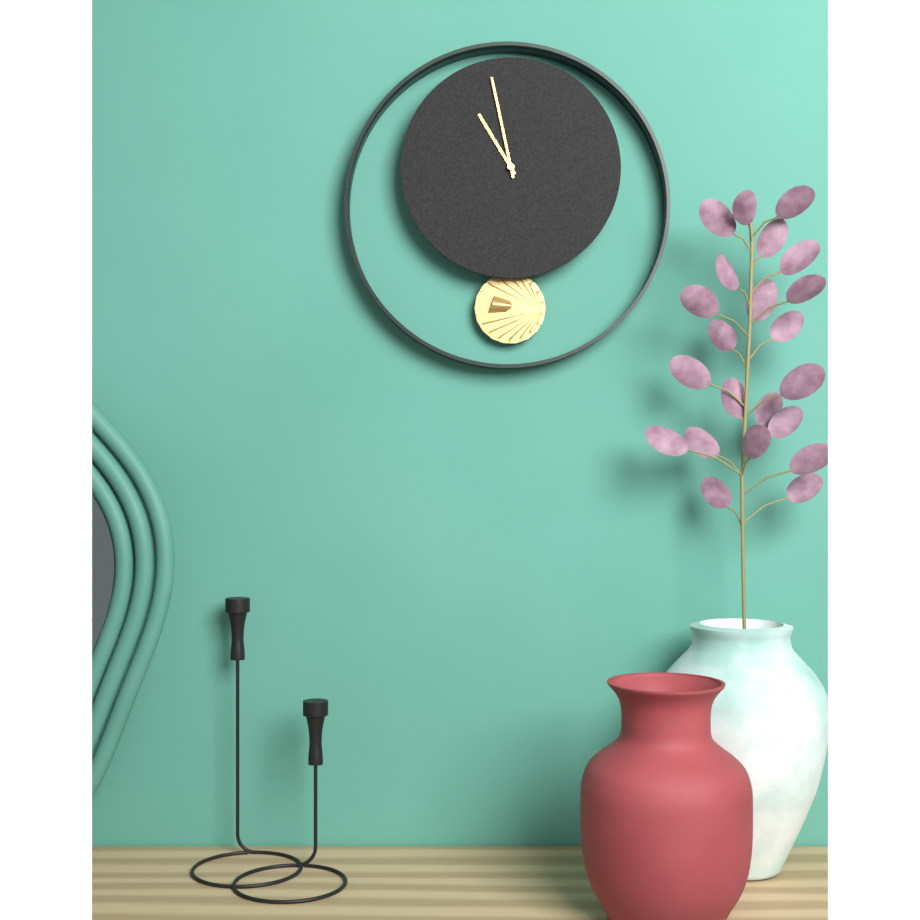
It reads 10,58
